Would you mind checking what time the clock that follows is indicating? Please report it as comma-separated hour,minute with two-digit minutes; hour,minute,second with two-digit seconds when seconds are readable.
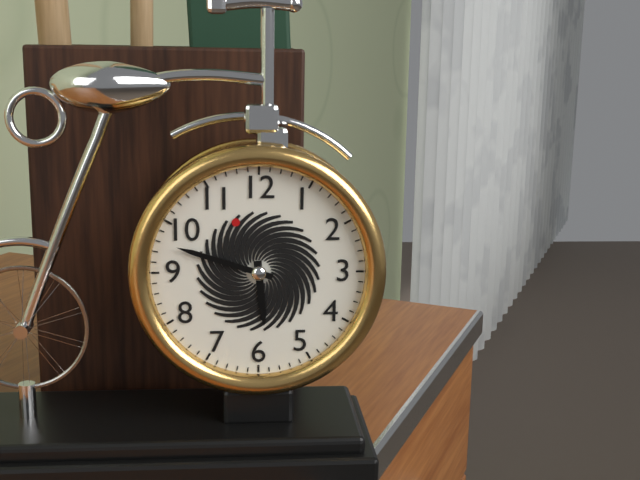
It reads 5,48
